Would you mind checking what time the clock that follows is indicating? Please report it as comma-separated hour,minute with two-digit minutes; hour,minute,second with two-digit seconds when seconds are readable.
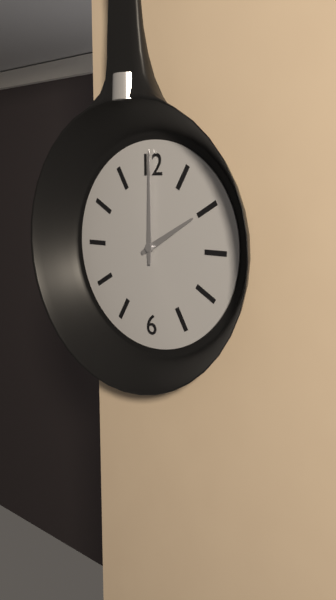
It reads 2,00
